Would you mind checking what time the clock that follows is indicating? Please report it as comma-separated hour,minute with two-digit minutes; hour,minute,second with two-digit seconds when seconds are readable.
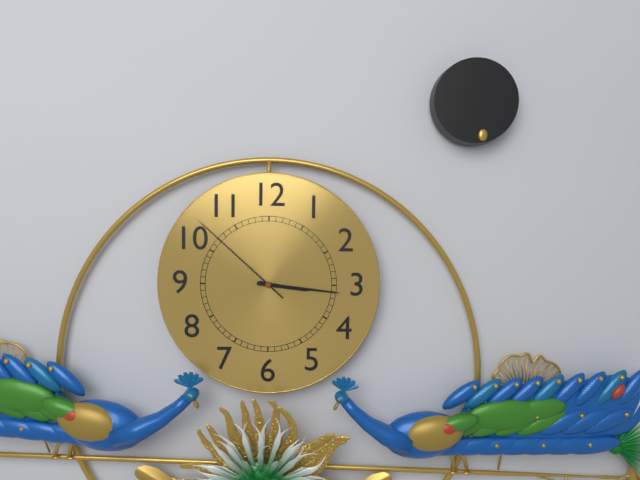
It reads 3,16,52
